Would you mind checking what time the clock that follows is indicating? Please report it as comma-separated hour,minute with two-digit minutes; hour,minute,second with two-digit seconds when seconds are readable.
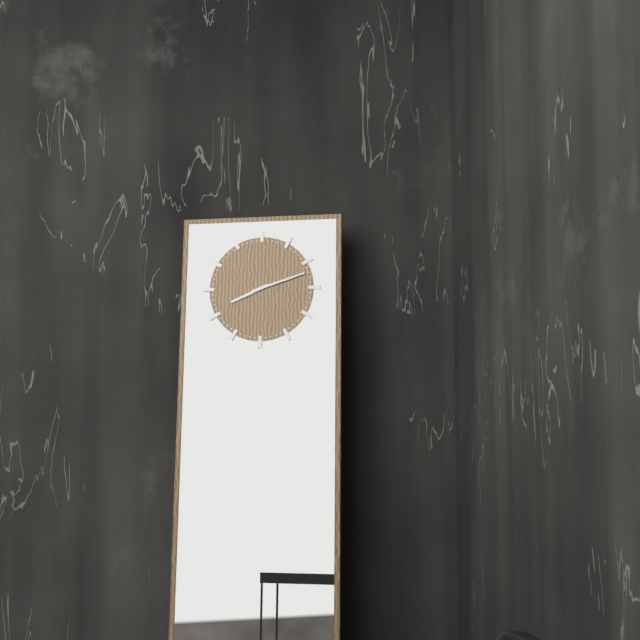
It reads 8,12
